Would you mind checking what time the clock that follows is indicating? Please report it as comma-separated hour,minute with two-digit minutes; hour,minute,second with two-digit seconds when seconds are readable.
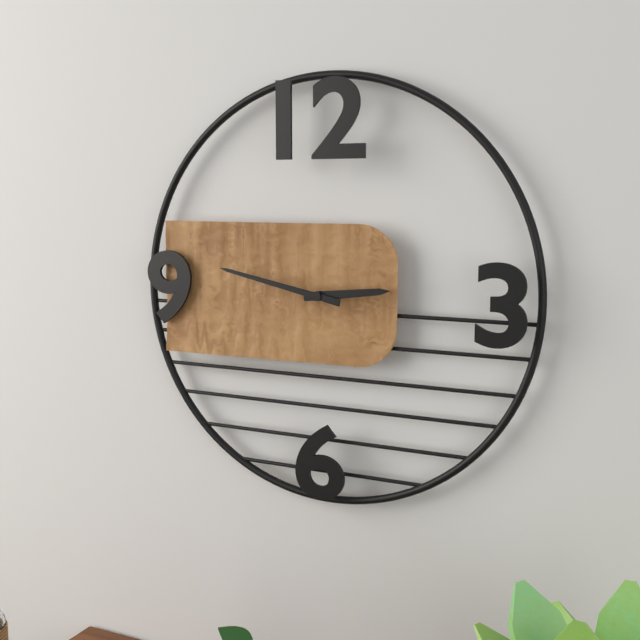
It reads 2,47
